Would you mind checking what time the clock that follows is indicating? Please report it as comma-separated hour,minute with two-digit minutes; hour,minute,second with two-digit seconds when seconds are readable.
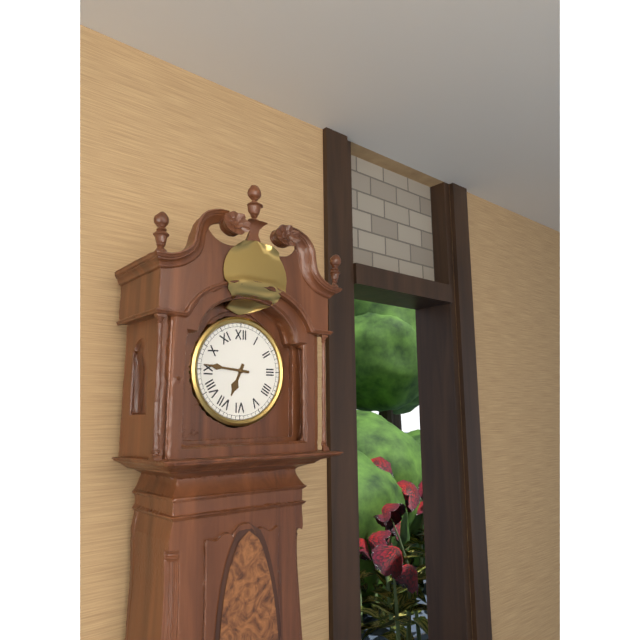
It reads 6,46
